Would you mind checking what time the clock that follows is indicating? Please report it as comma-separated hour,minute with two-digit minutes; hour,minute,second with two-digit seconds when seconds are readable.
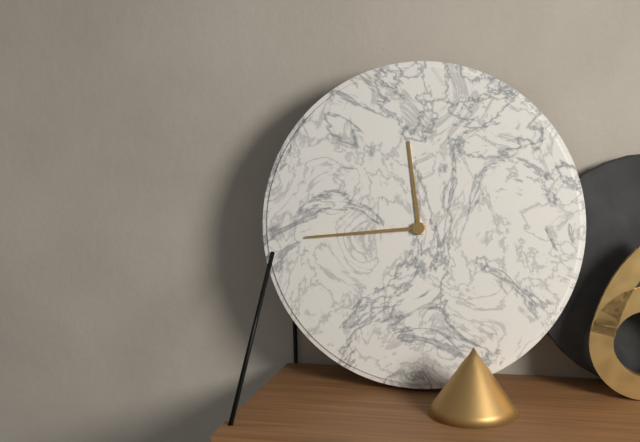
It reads 11,44
